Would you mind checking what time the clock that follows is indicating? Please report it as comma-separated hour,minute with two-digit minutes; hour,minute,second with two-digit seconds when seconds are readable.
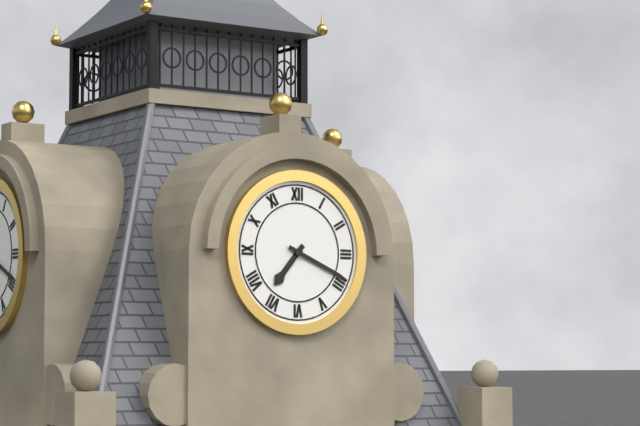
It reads 7,19
